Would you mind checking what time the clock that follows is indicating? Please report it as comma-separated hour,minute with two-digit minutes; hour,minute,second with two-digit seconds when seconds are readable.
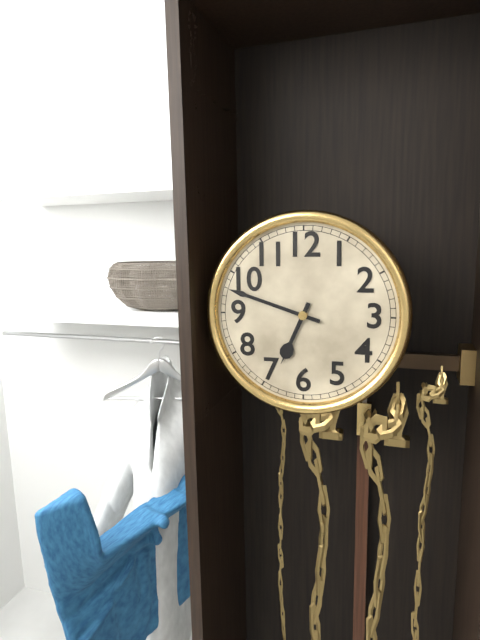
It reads 6,48
